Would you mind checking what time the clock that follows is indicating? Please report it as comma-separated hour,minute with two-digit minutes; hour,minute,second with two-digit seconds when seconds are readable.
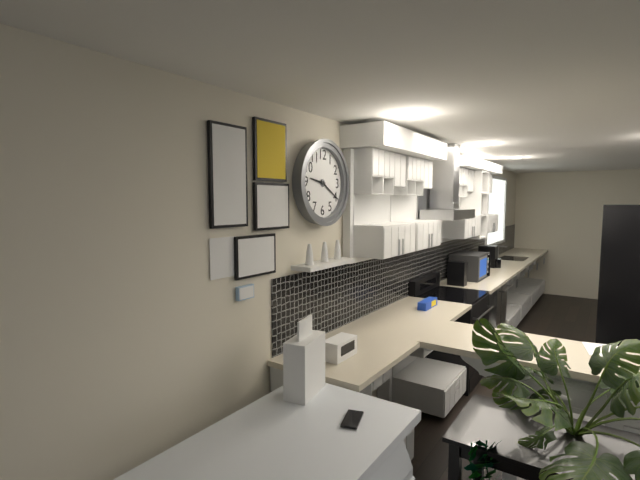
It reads 9,20
